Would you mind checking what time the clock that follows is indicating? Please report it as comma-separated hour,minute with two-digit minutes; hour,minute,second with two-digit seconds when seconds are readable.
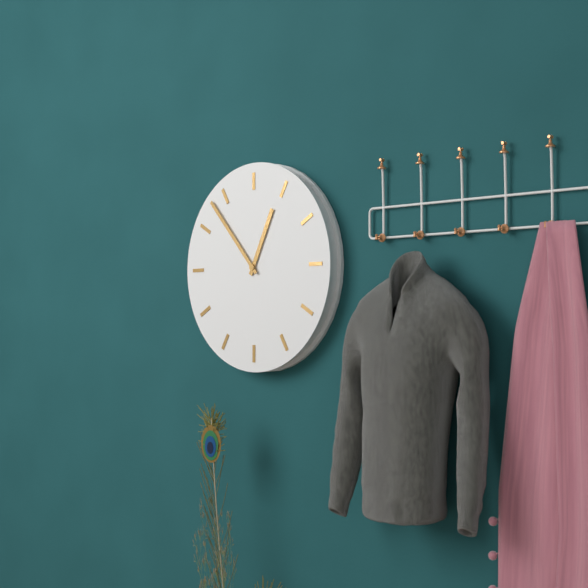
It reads 12,53
